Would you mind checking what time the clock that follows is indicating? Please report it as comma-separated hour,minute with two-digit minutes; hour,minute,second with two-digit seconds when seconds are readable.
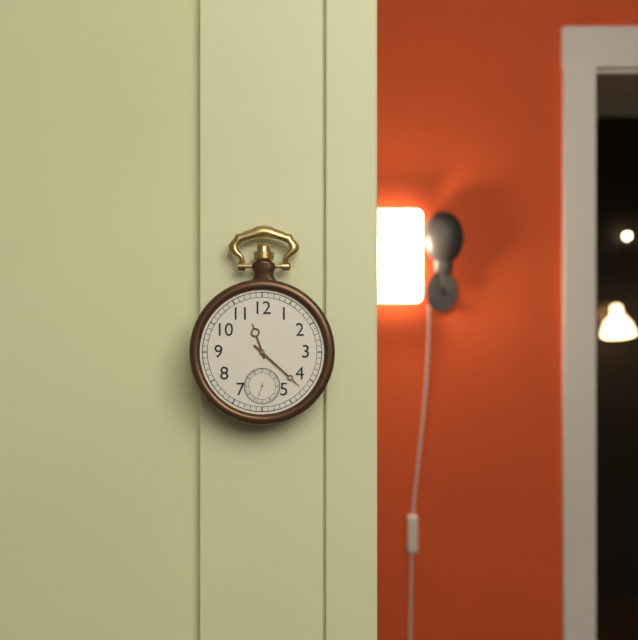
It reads 11,22
